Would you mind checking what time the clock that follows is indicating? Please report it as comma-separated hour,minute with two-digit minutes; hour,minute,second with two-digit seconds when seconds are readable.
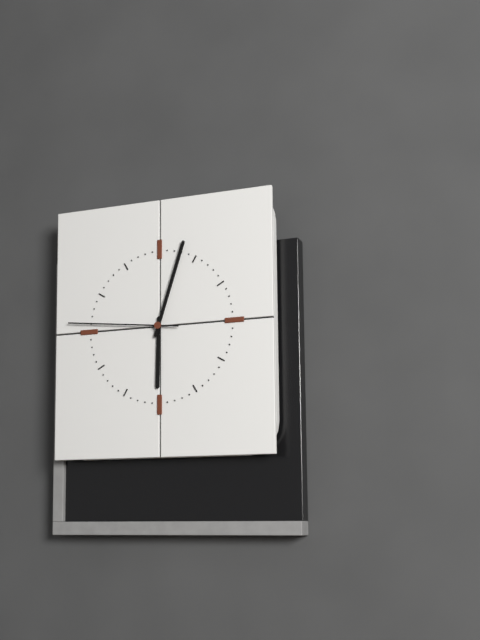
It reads 6,03,46
